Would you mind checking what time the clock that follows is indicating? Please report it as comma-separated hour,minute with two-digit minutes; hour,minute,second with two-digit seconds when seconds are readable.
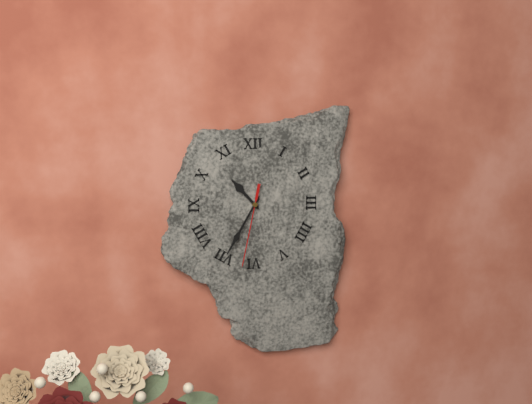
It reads 10,35,32
